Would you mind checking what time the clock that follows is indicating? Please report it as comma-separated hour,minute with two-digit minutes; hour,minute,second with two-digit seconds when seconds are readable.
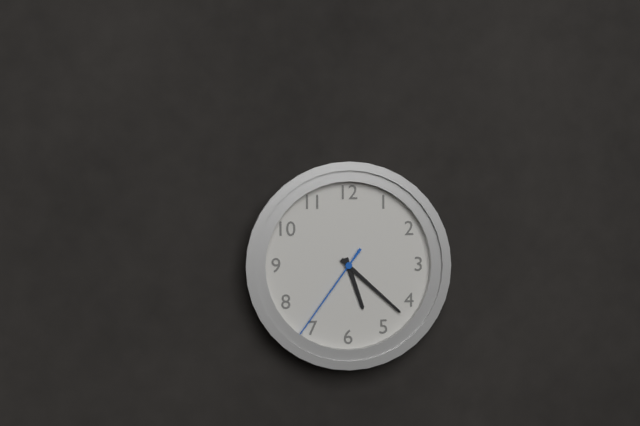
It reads 5,22,36
